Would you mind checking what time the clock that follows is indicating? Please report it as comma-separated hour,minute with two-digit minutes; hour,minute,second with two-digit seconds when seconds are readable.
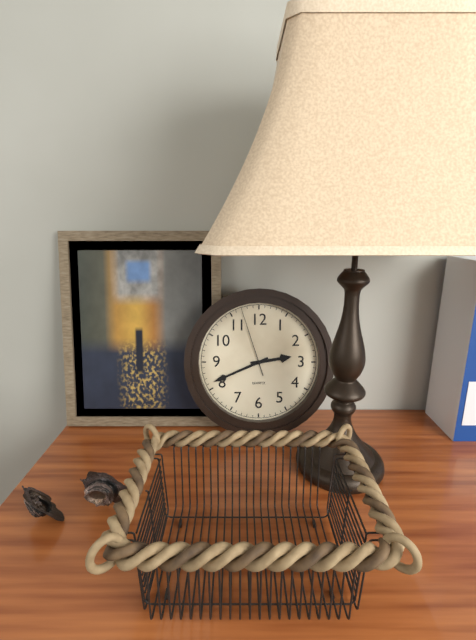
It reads 2,41,57
